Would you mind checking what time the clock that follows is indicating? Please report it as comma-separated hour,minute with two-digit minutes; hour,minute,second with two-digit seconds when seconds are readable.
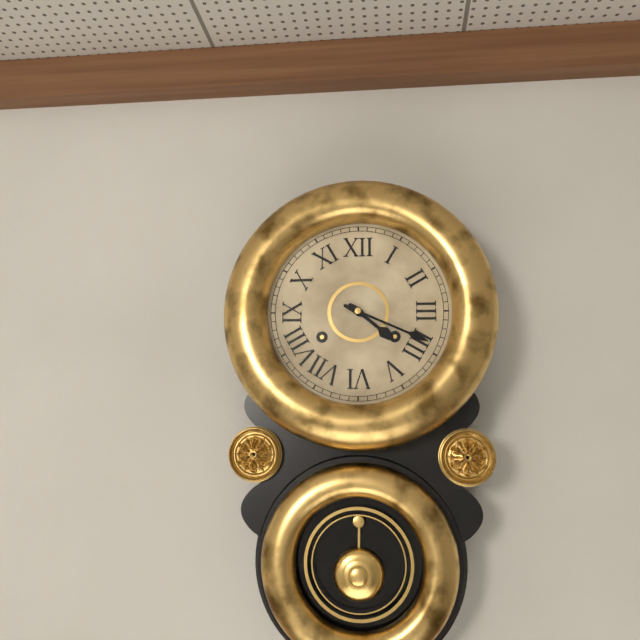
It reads 4,19
